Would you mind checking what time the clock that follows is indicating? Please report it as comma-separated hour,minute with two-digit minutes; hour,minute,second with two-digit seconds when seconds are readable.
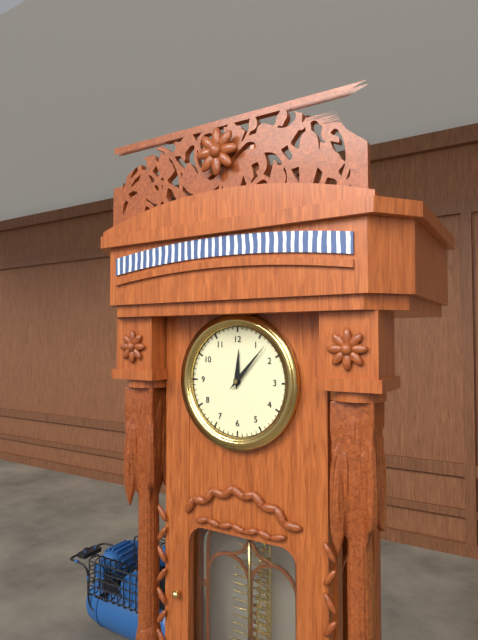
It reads 12,07
